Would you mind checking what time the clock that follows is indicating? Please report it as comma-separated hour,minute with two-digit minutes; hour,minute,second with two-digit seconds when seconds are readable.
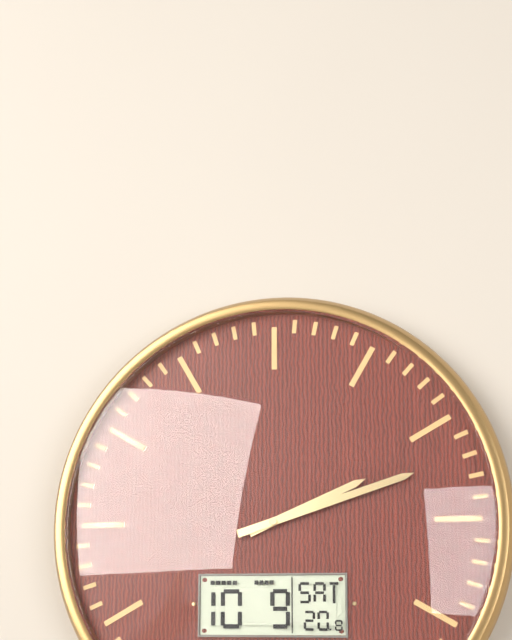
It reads 2,12
